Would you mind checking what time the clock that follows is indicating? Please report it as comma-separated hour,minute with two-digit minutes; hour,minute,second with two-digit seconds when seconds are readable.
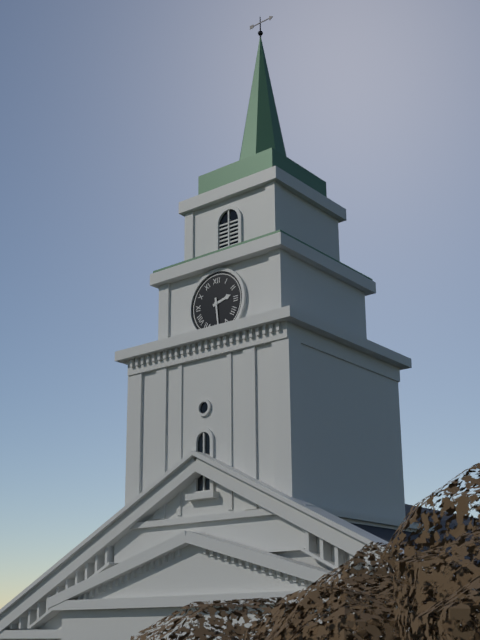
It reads 2,29
